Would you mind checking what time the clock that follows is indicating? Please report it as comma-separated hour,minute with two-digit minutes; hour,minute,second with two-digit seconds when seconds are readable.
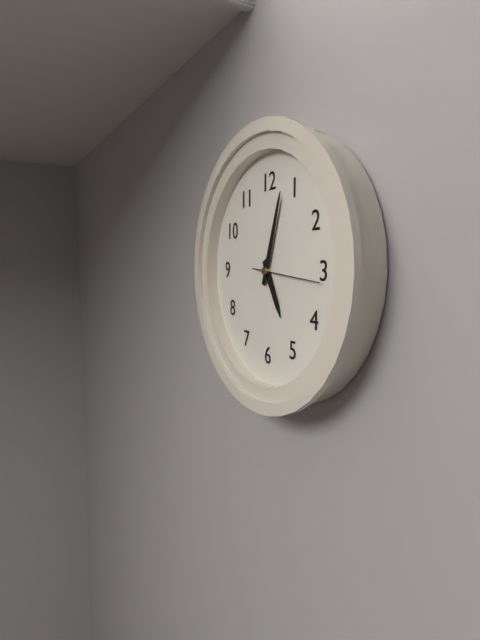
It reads 5,03,16
